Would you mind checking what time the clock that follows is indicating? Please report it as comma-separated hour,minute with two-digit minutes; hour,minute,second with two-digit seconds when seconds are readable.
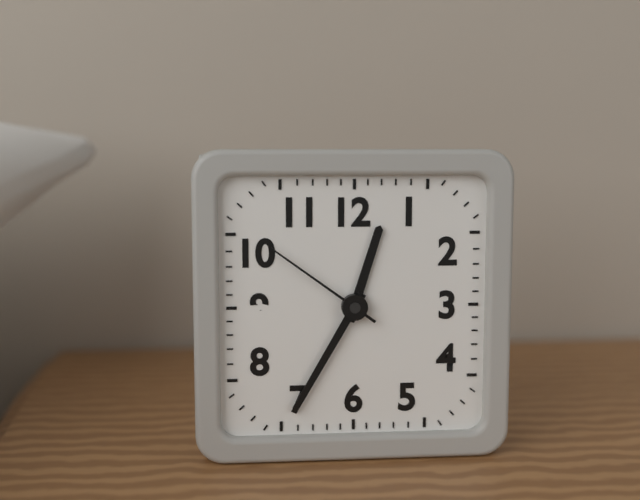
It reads 12,35,51
